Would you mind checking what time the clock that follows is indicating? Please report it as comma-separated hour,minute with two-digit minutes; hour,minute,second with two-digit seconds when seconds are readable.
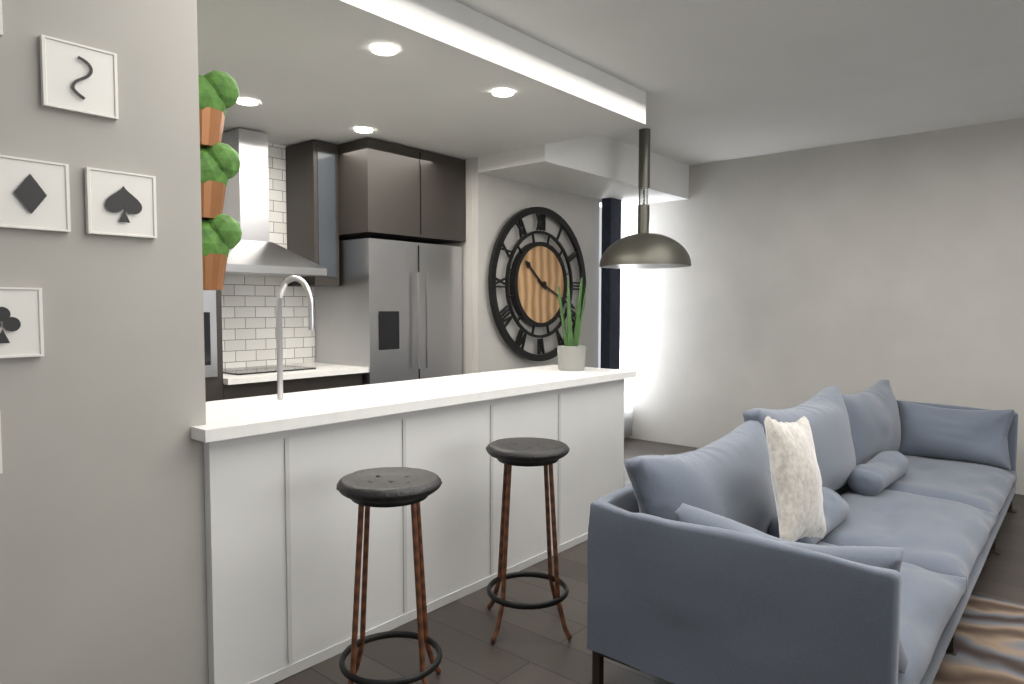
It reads 10,19
